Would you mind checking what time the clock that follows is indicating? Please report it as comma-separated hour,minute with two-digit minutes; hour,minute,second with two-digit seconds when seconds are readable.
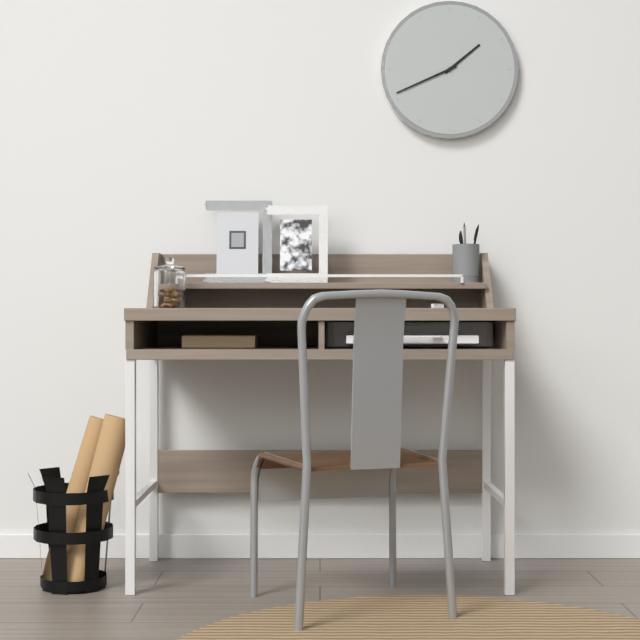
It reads 1,41
